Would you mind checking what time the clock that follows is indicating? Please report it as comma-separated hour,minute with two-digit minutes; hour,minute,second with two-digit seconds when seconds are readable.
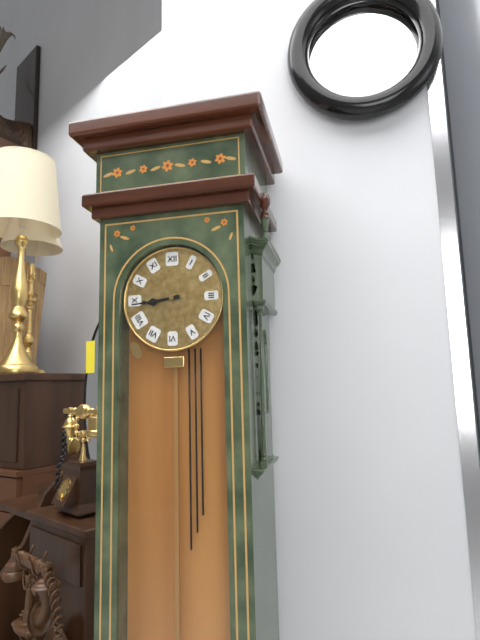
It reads 8,44
